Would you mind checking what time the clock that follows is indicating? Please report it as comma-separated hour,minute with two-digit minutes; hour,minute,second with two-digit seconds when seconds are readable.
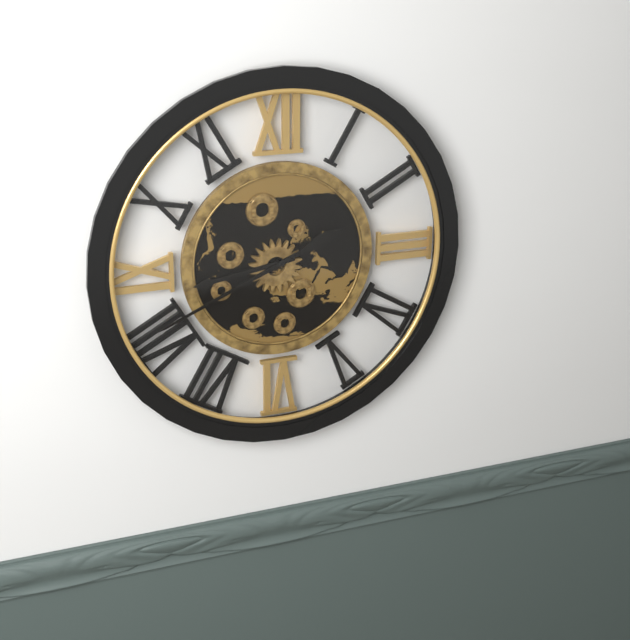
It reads 8,41
